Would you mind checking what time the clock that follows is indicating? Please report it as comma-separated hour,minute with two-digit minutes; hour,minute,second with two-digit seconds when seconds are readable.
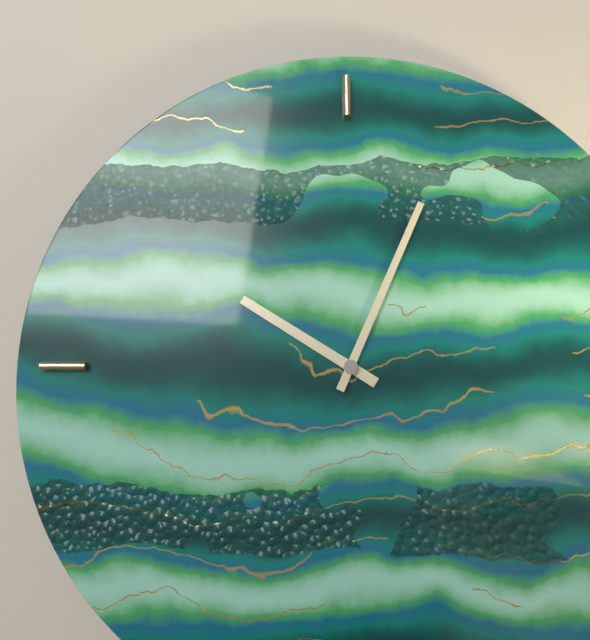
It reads 10,04
